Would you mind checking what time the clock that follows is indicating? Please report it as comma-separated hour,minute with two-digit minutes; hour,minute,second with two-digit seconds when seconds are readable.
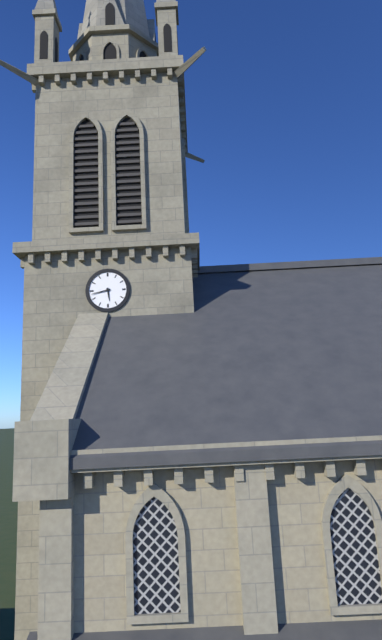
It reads 5,43
